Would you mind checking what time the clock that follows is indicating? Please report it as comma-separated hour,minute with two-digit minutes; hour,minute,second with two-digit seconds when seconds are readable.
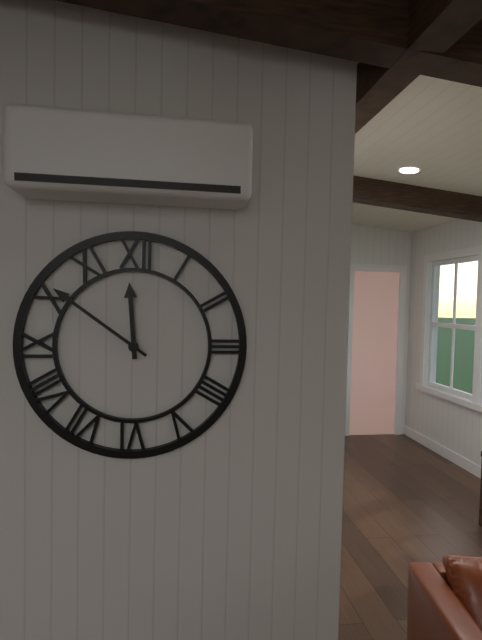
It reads 11,51
